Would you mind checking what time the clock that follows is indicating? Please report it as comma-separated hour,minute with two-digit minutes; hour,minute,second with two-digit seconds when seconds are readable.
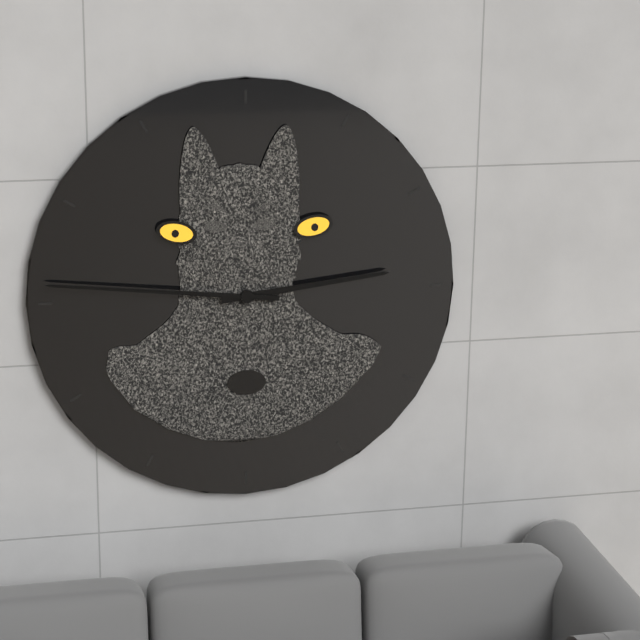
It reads 2,46
